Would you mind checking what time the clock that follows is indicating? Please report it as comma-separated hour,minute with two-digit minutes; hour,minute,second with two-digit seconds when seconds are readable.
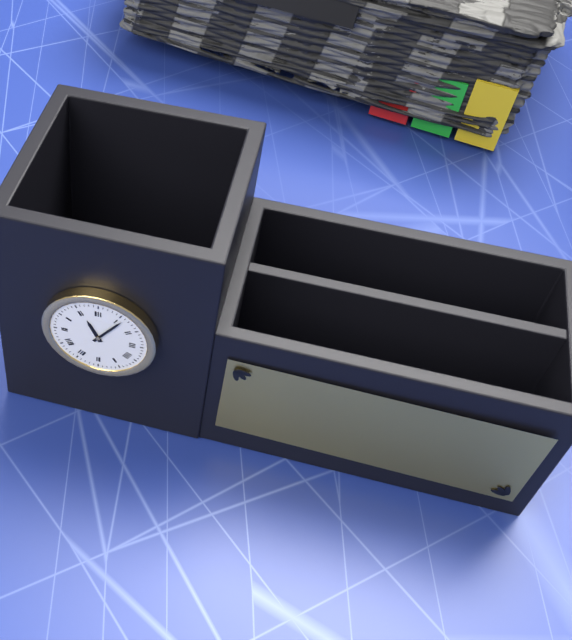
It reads 11,06
